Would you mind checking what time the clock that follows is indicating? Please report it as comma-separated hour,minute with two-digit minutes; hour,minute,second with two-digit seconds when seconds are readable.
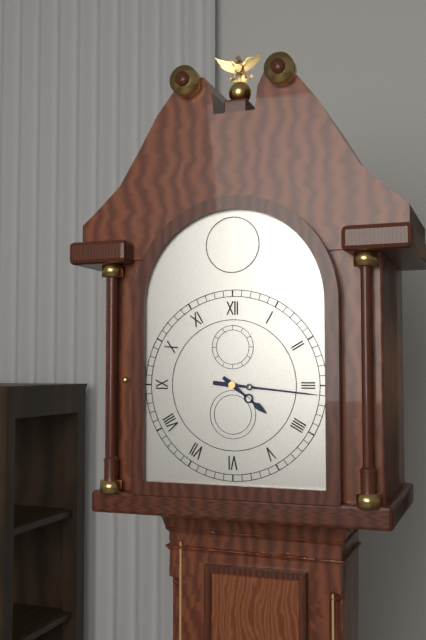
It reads 4,16
